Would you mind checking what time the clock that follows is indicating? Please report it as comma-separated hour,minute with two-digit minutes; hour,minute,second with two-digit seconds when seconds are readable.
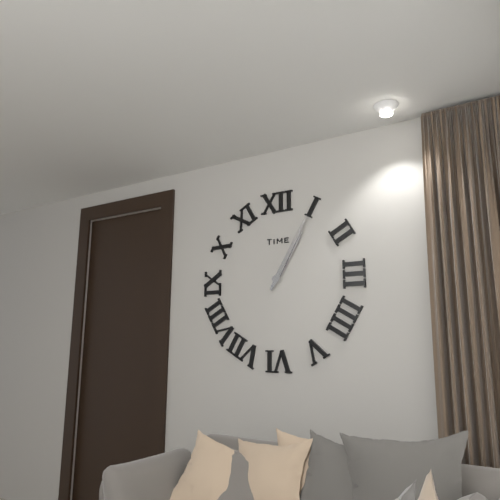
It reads 1,05
